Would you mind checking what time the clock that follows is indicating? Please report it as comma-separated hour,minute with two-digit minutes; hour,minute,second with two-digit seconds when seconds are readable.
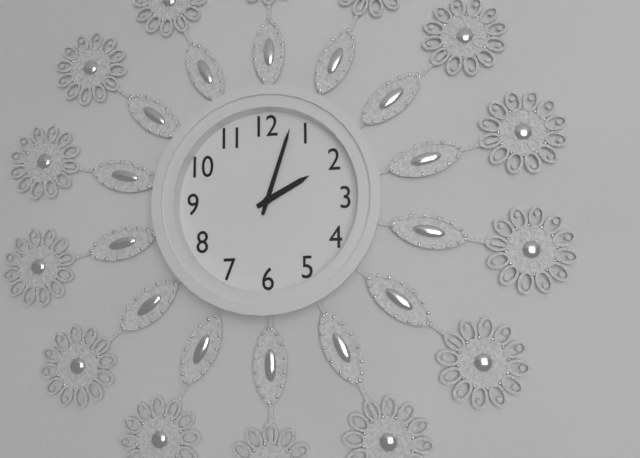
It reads 2,03
